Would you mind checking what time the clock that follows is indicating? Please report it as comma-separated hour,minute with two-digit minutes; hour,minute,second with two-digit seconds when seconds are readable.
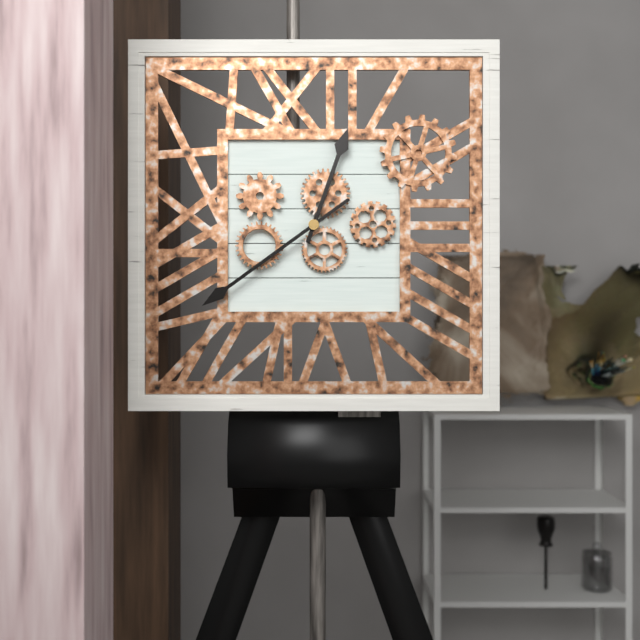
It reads 12,39
